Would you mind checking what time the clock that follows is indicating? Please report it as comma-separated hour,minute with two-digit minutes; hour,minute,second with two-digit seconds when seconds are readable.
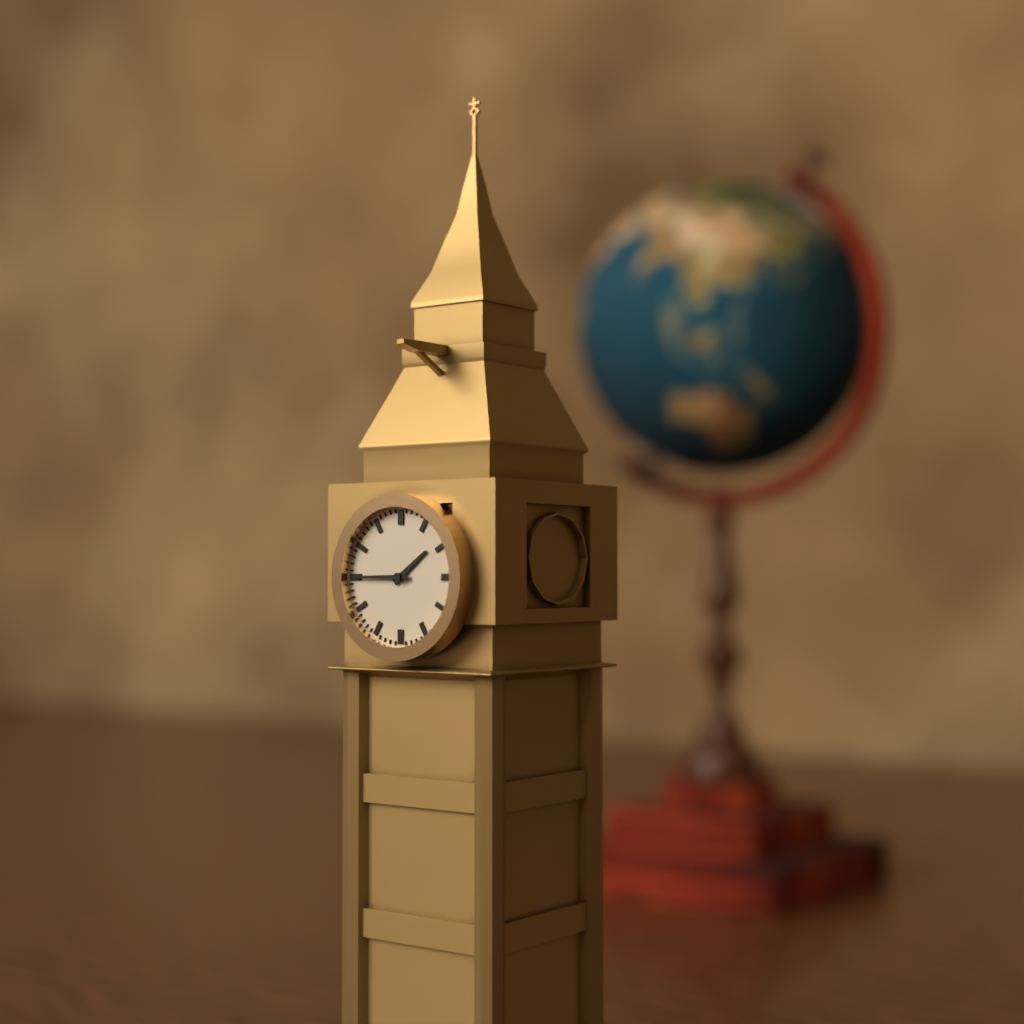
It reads 1,45
